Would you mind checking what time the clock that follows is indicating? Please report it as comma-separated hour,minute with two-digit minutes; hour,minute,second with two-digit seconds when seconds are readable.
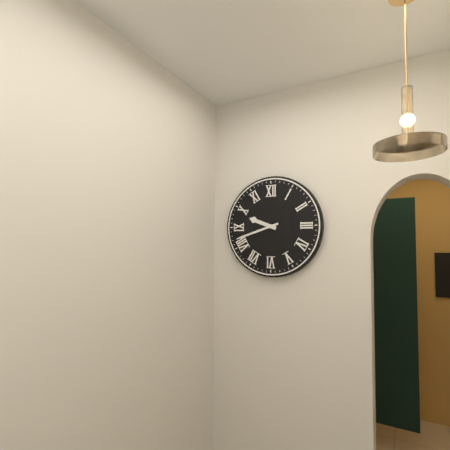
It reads 9,42
